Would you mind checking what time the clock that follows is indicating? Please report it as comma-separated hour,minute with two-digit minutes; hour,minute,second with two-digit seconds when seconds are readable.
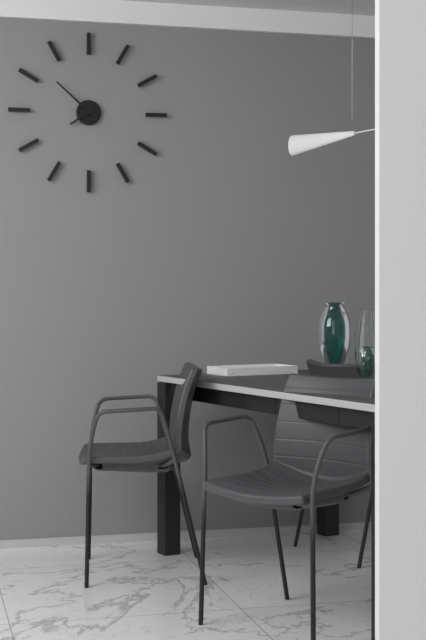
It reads 7,52
